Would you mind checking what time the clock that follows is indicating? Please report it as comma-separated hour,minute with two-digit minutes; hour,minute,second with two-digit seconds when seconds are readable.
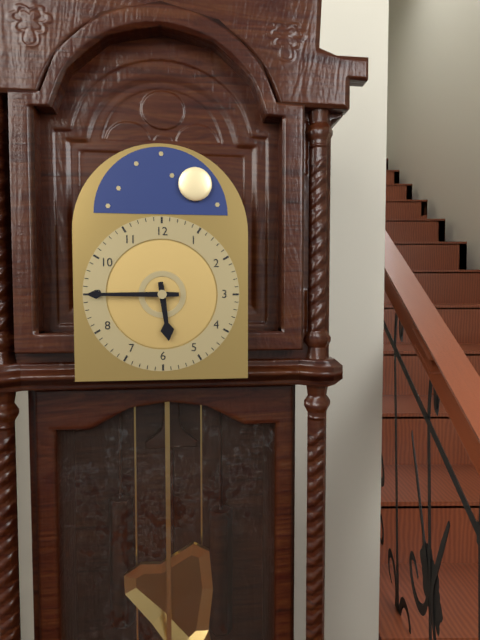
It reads 5,45
